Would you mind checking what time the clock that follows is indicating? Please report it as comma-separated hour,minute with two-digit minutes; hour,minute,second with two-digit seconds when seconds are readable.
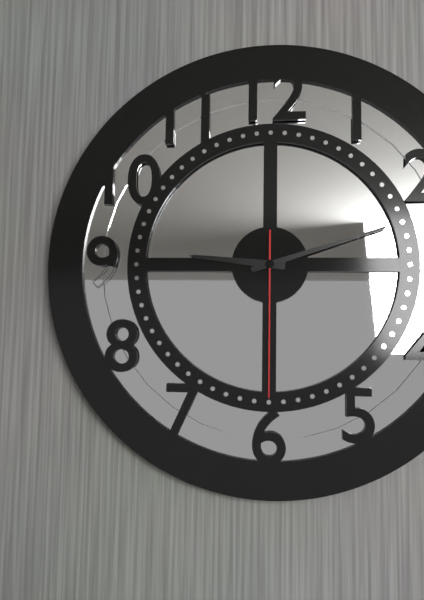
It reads 9,12,30
